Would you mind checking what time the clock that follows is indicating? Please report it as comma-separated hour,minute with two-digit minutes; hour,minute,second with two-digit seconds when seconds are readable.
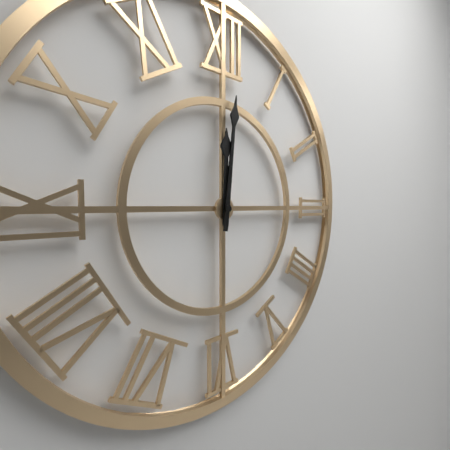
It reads 12,01
